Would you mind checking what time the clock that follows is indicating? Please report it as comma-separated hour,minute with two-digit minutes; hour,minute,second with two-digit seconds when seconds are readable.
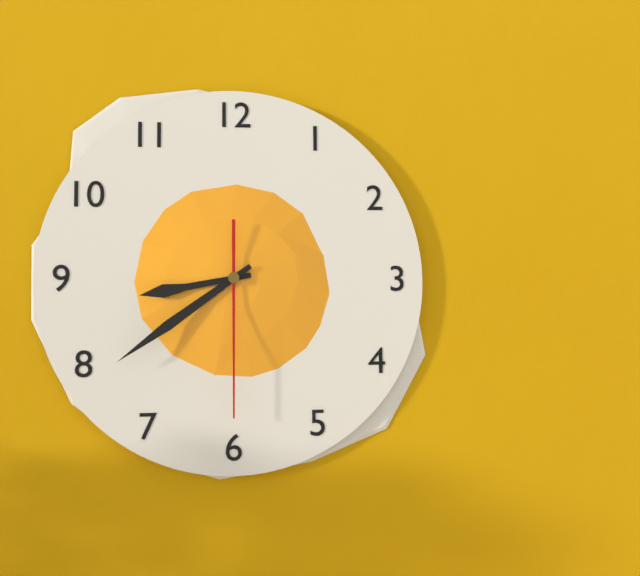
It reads 8,39,30
